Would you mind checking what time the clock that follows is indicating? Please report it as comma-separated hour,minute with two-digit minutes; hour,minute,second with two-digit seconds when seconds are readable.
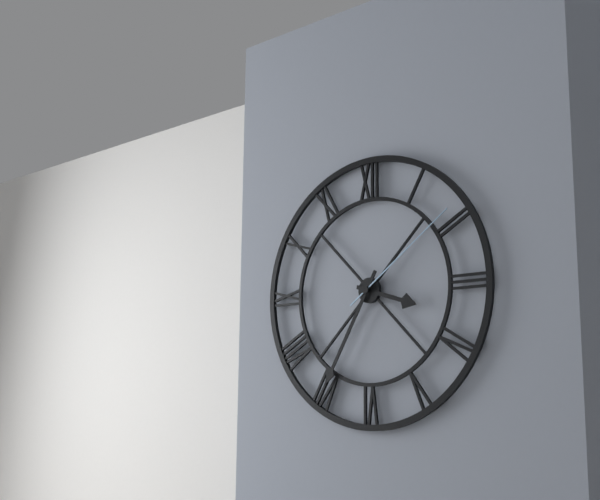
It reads 3,35,09
